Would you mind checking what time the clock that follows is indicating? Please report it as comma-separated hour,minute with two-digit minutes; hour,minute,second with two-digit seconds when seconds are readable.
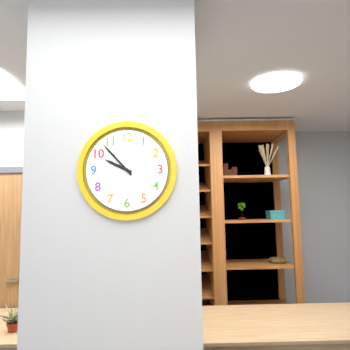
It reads 9,53
